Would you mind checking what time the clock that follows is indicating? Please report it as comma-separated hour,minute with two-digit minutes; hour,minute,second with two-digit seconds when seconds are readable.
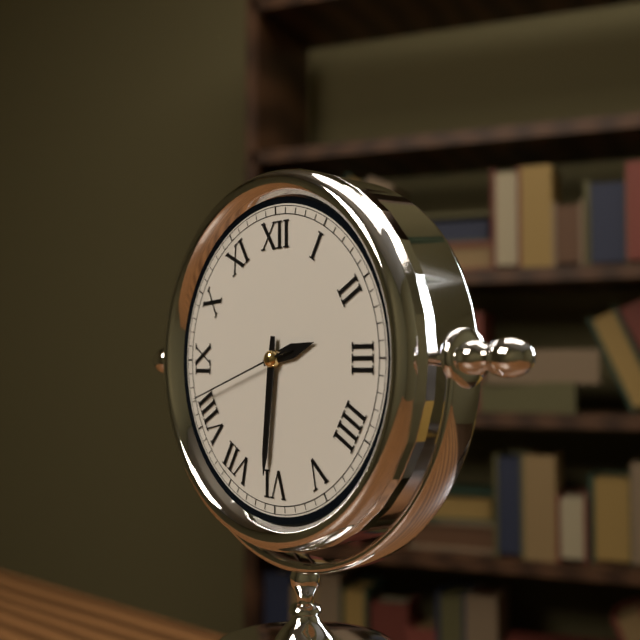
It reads 2,31,42
